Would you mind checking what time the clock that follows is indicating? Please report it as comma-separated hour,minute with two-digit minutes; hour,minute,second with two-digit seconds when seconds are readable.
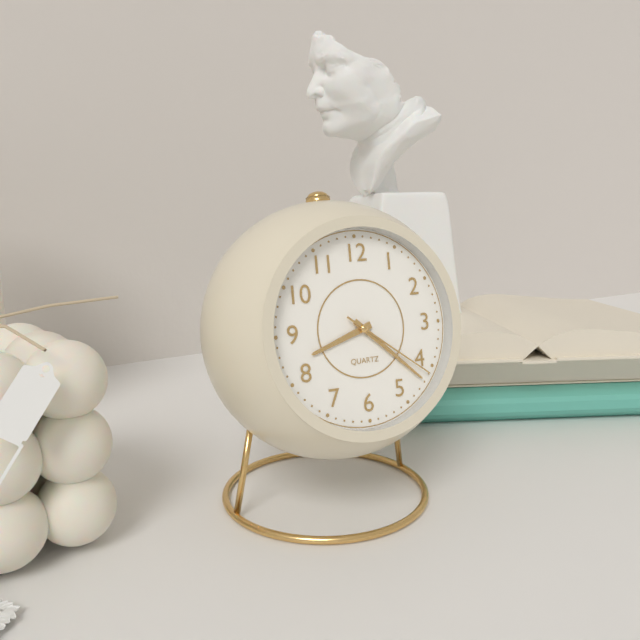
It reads 8,22,21
